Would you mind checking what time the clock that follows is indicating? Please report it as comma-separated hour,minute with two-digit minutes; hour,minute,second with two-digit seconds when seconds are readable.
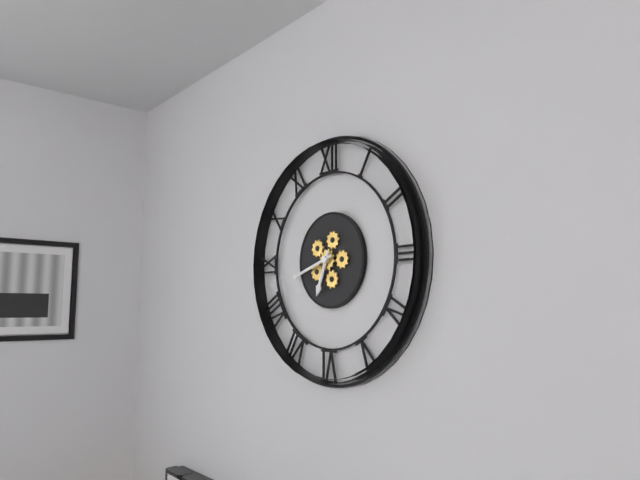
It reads 6,42
